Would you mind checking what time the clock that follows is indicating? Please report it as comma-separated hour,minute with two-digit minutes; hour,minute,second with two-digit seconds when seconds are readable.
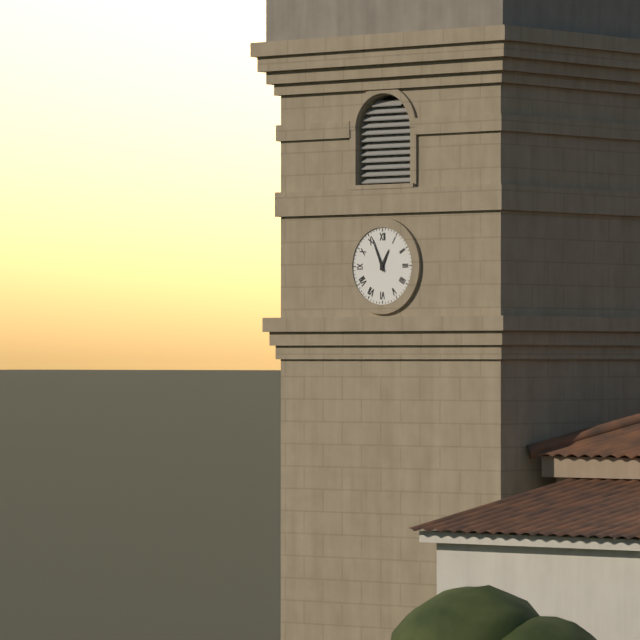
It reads 12,56
